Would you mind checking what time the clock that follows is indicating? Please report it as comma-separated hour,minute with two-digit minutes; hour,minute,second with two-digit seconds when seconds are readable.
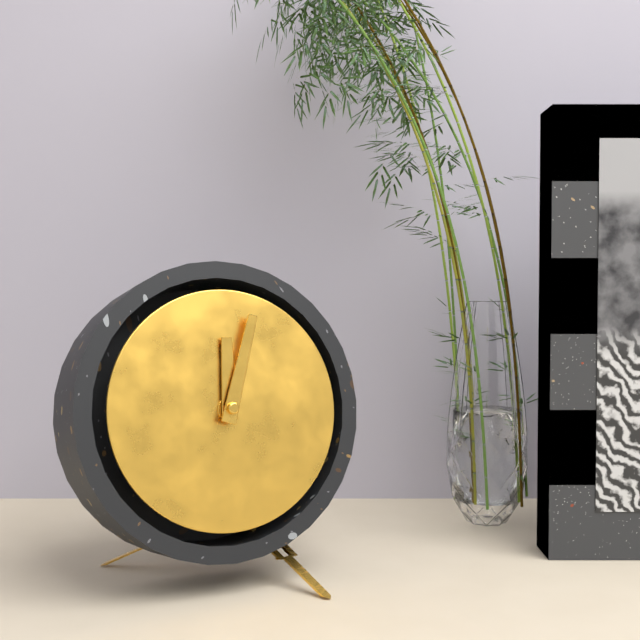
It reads 12,03
